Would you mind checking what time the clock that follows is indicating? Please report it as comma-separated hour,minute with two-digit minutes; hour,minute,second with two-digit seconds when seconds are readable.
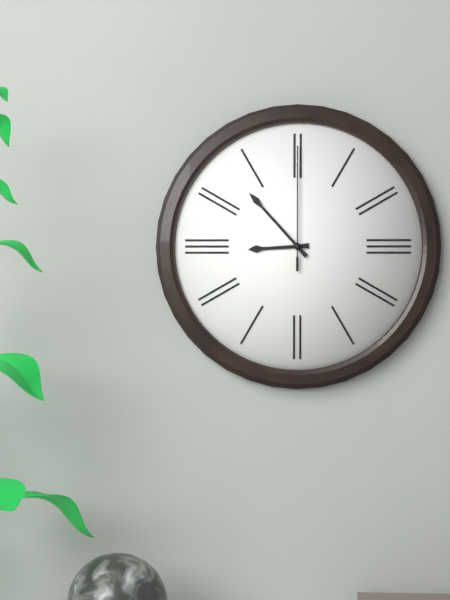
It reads 8,53,00
